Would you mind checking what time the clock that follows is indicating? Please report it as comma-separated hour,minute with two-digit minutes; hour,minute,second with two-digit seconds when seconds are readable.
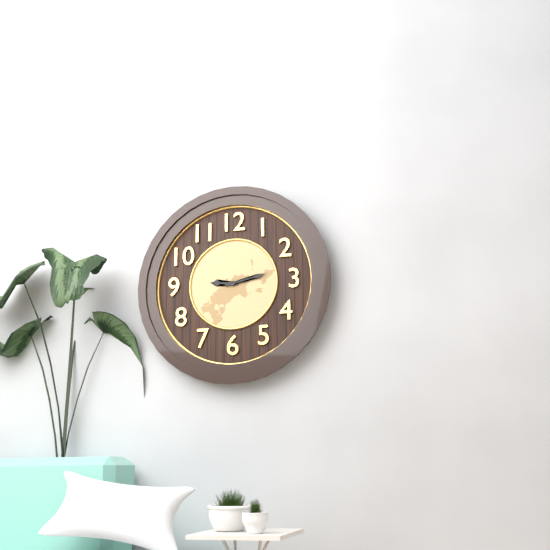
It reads 9,13
